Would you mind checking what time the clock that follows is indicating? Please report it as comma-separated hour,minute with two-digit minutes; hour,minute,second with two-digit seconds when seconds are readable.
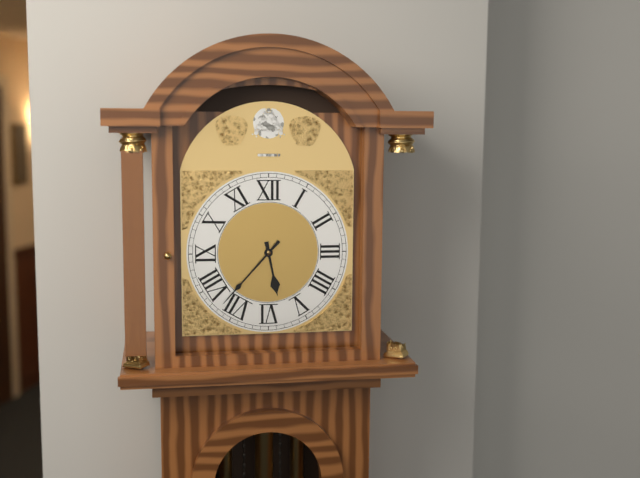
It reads 5,37
